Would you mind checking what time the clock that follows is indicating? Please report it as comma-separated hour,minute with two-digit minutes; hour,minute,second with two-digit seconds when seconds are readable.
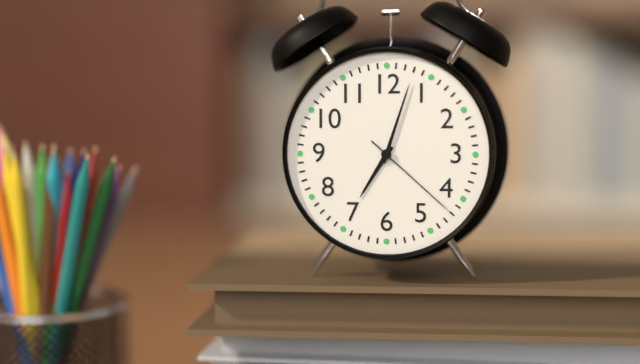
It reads 7,03,22
